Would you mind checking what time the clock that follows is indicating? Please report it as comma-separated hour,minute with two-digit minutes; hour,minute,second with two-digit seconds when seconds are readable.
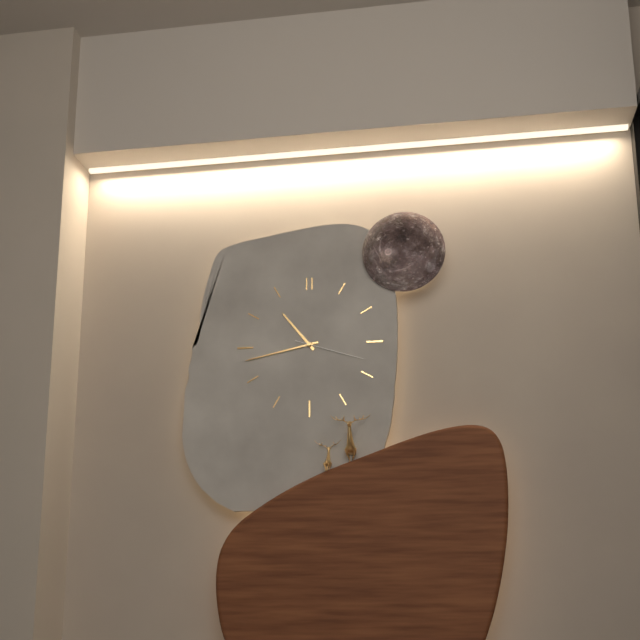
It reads 10,43,18
